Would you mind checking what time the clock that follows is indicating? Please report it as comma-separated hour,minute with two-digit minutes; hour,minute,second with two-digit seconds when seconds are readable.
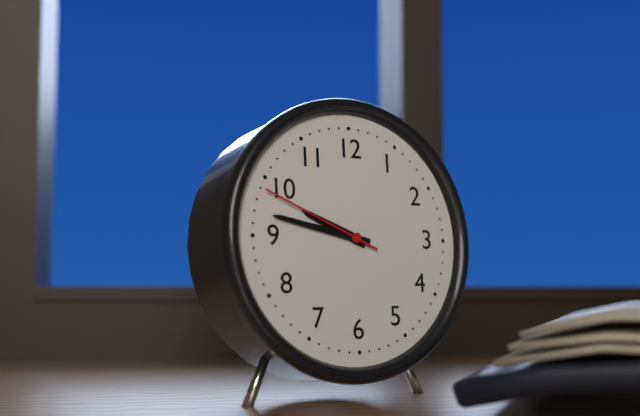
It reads 9,47,49
